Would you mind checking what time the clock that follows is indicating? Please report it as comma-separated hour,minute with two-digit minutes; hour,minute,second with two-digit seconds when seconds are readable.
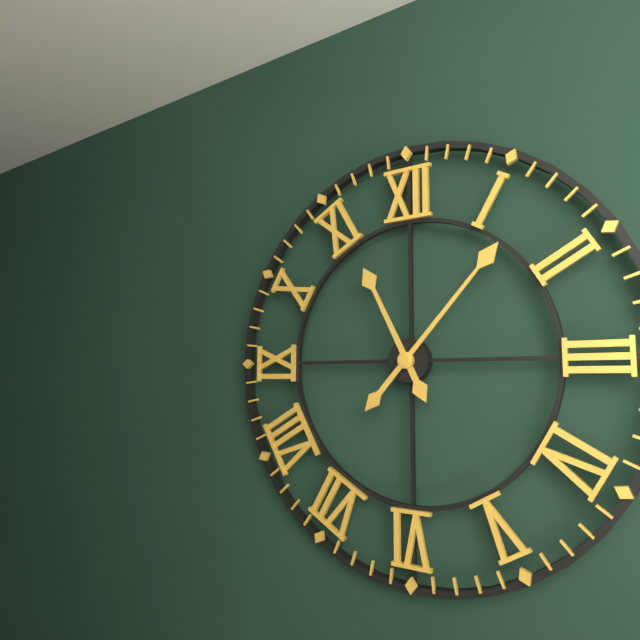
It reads 11,07
